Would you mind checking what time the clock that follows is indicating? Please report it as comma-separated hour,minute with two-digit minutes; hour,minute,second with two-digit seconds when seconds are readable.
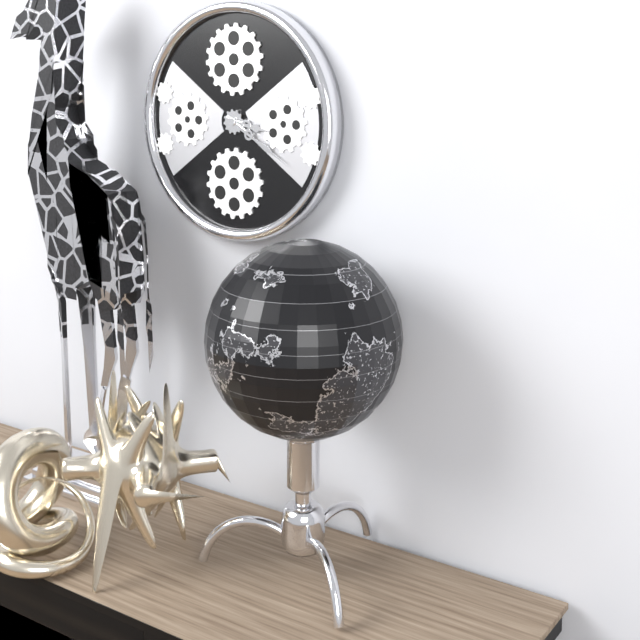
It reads 3,20
